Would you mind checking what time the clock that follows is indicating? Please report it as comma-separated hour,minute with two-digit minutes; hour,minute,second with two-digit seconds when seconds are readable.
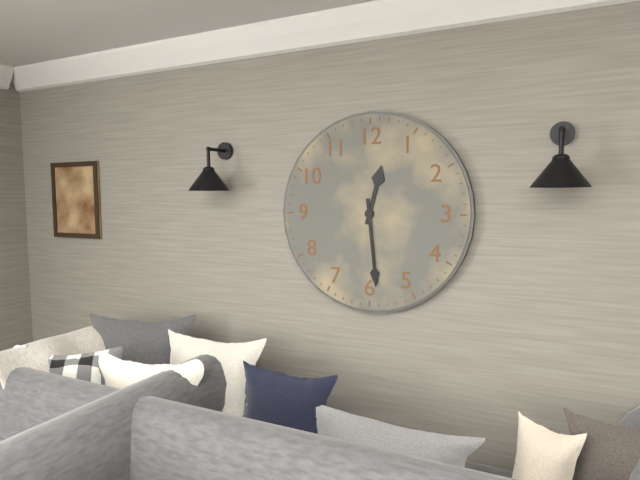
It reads 12,29
